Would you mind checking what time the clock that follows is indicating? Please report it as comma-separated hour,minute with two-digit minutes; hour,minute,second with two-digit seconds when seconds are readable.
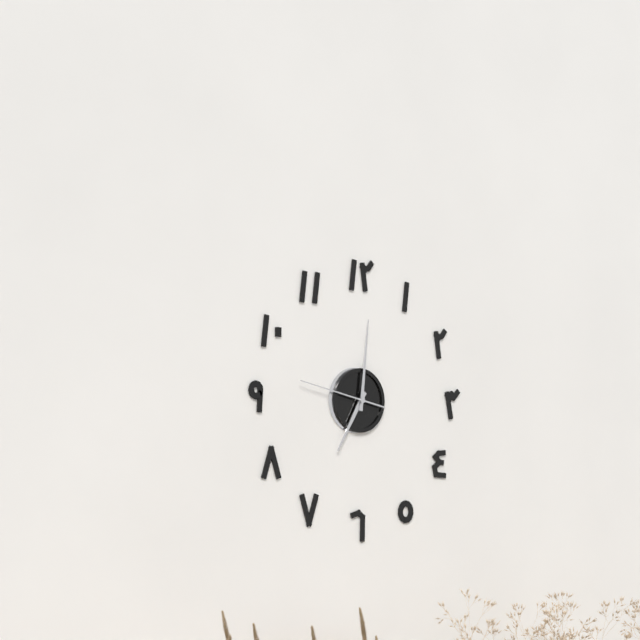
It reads 7,01,47
